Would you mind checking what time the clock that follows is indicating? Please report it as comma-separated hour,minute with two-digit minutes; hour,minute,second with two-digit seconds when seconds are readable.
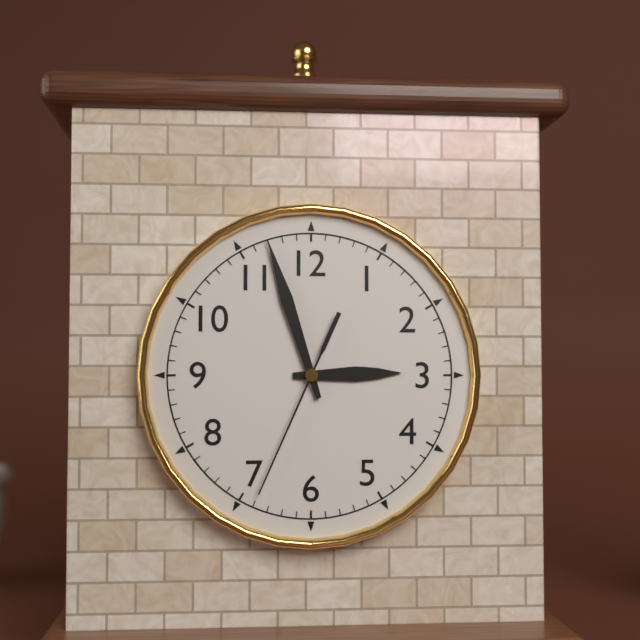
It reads 2,57,34
